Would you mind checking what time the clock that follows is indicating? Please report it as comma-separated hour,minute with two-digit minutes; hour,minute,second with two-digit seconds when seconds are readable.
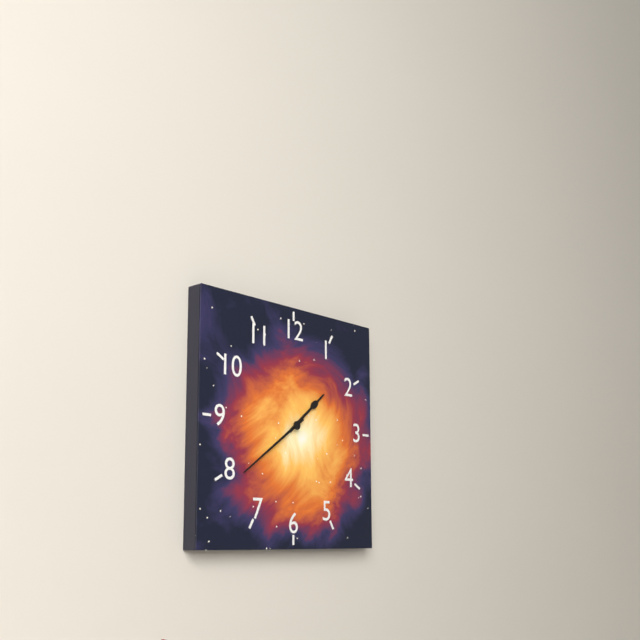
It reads 1,39
